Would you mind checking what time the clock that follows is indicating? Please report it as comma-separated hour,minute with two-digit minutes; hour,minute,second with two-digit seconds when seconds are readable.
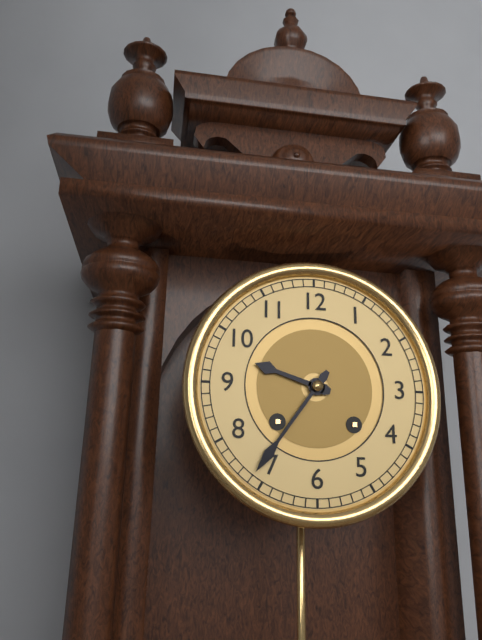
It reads 9,36
